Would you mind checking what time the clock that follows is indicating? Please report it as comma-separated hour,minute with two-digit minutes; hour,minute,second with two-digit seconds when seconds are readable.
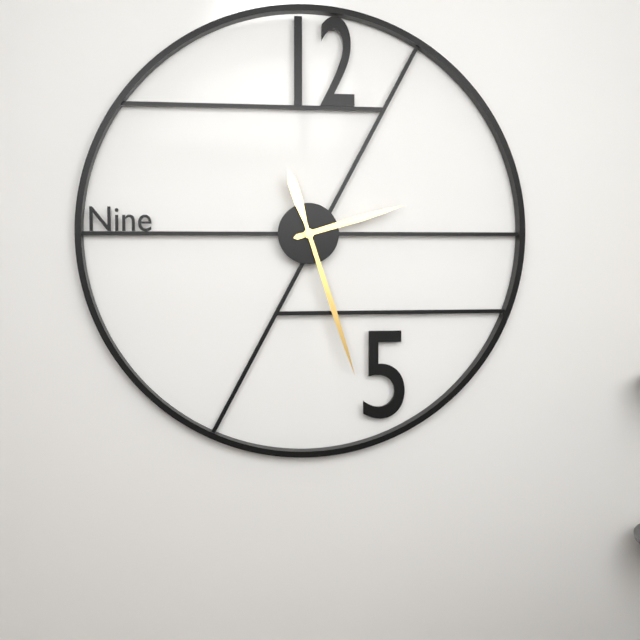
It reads 2,27
